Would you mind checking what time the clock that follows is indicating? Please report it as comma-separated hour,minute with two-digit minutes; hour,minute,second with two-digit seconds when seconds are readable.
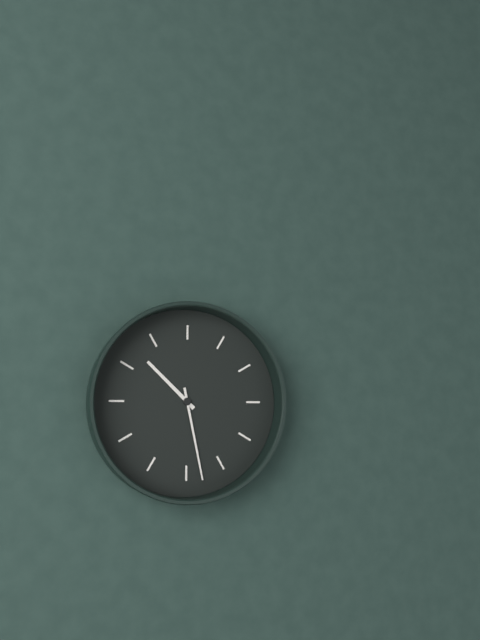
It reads 10,28
